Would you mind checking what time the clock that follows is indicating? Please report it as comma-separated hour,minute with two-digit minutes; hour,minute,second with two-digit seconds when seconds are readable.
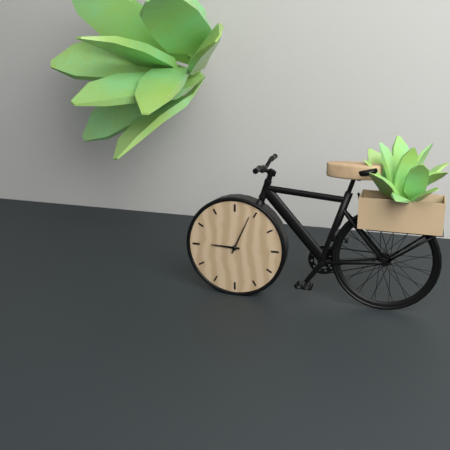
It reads 9,04
